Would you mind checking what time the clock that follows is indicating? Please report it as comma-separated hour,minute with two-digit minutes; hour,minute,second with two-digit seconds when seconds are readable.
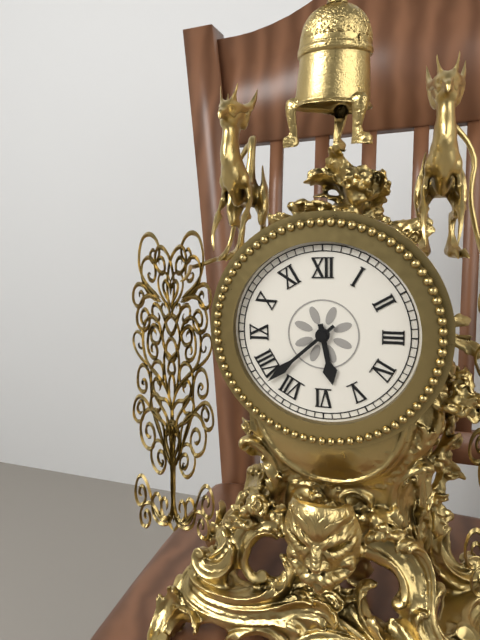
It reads 5,38
